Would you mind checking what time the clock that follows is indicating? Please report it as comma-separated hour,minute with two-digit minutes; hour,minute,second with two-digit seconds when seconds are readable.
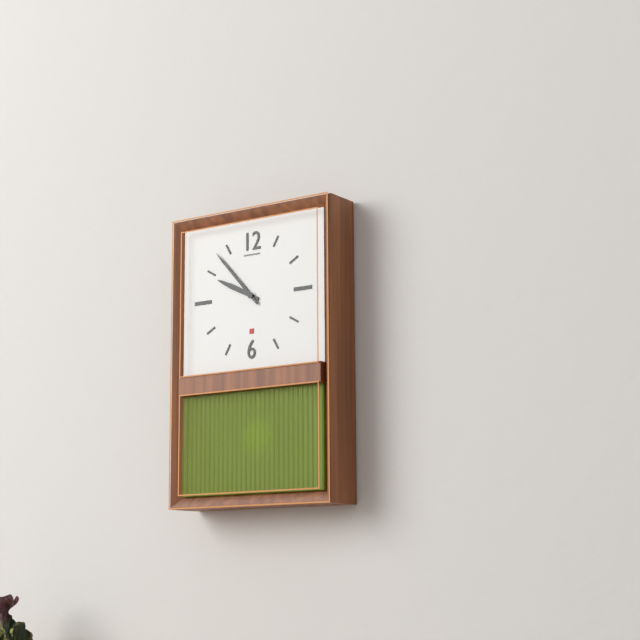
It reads 9,53
